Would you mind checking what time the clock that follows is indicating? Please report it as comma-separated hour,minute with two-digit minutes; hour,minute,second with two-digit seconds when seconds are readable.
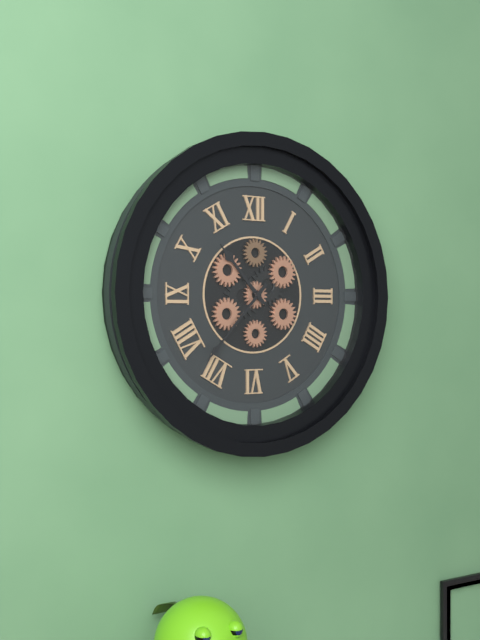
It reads 10,37
